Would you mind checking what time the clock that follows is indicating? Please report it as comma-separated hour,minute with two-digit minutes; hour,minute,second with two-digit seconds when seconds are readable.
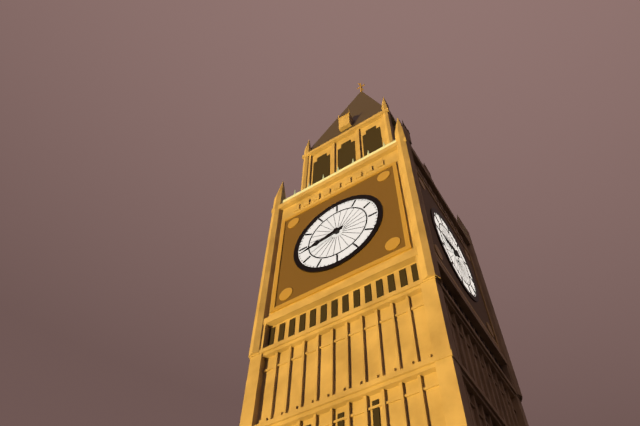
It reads 8,43
